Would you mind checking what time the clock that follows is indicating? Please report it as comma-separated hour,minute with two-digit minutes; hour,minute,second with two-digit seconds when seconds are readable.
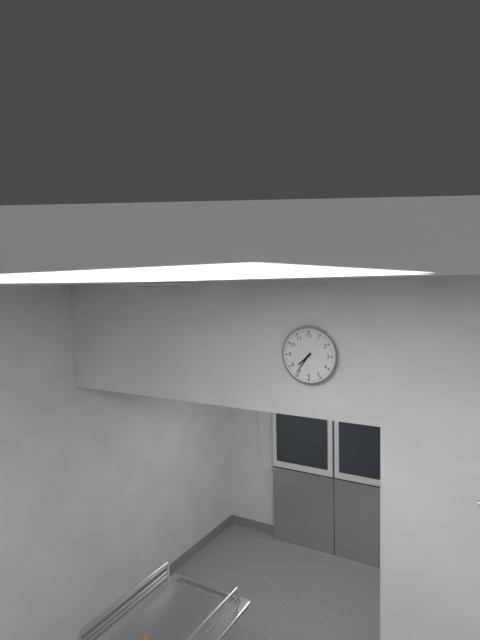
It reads 7,36
